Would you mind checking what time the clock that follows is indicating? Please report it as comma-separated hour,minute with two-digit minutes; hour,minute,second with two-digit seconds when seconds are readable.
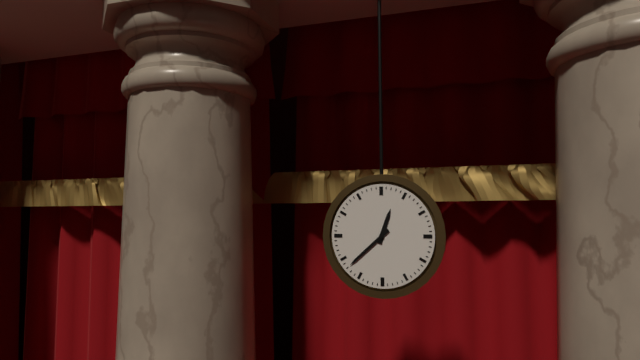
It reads 12,38
